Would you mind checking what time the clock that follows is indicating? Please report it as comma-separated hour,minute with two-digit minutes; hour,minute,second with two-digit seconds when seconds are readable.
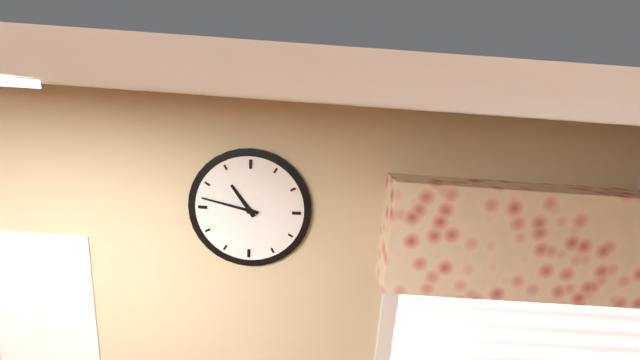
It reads 10,47
